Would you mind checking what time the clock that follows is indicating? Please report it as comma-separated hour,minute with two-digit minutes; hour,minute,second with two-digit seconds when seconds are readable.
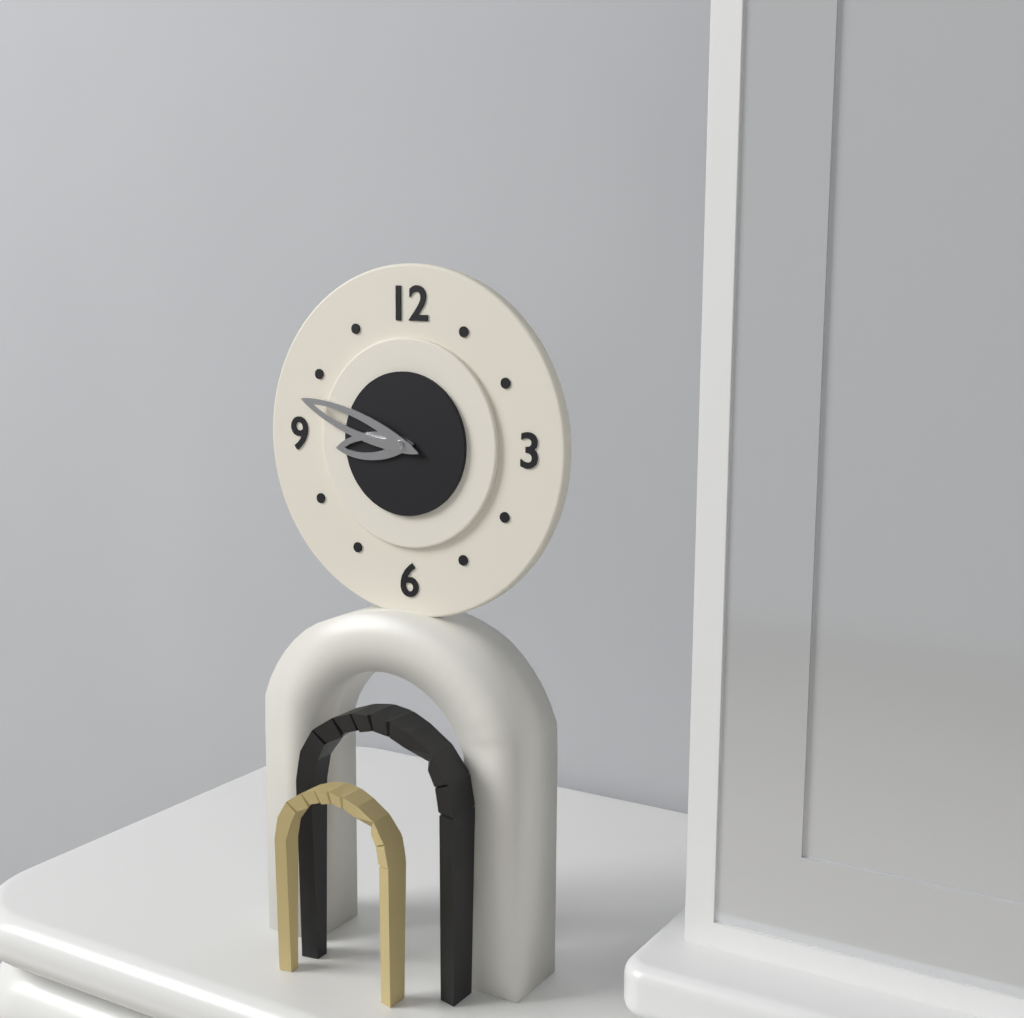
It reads 8,48
